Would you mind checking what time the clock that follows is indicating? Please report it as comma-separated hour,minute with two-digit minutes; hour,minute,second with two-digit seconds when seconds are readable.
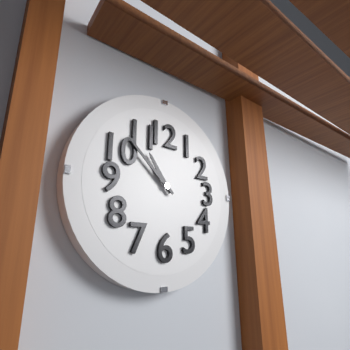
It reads 10,52
